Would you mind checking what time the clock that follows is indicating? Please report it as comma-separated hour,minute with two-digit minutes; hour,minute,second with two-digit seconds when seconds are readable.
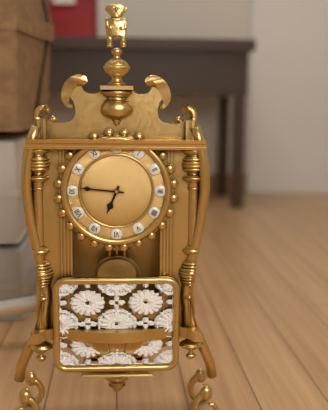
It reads 6,46
